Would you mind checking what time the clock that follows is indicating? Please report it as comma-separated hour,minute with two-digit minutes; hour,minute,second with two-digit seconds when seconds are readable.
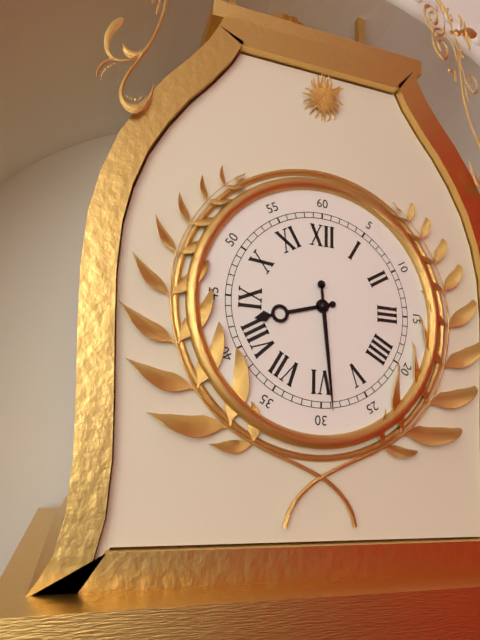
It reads 8,29
